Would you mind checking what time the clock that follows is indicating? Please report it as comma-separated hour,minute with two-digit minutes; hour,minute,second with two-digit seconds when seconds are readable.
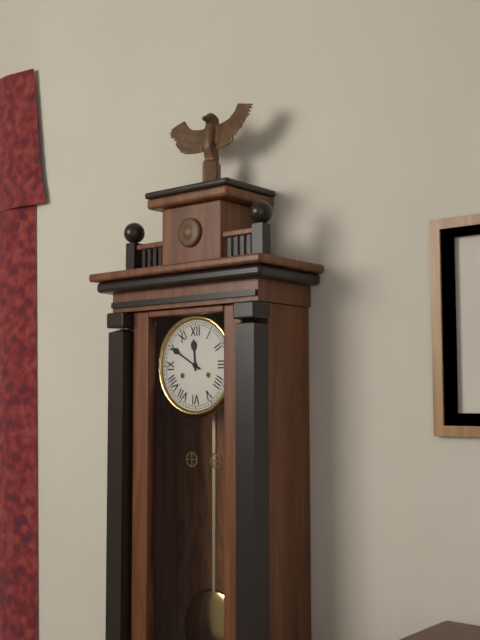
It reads 11,50
